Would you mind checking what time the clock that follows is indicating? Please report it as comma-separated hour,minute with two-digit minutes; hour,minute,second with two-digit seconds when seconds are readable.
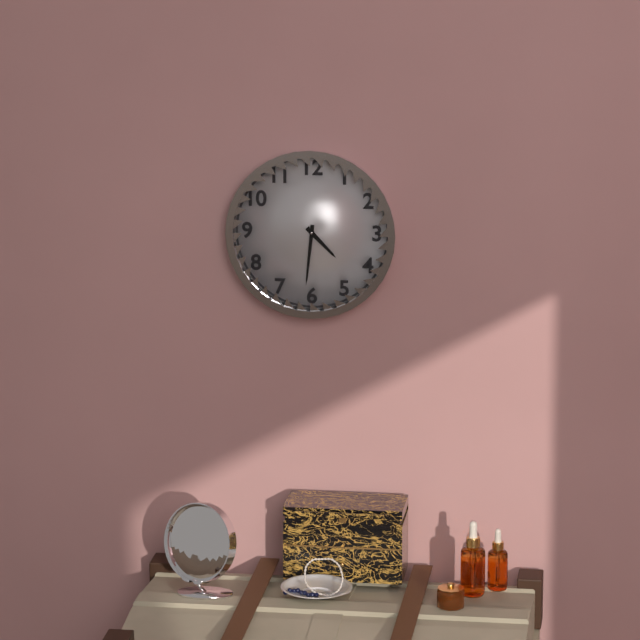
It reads 4,31
